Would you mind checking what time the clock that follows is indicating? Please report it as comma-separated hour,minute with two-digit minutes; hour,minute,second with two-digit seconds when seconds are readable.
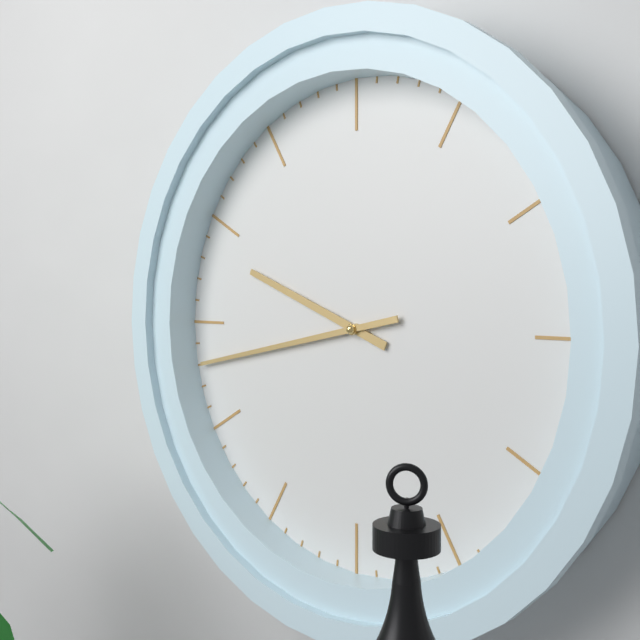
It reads 9,43
